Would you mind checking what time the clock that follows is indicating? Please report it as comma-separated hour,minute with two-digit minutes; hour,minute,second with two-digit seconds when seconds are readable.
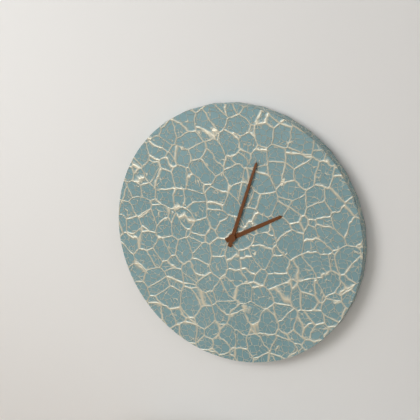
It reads 2,03
